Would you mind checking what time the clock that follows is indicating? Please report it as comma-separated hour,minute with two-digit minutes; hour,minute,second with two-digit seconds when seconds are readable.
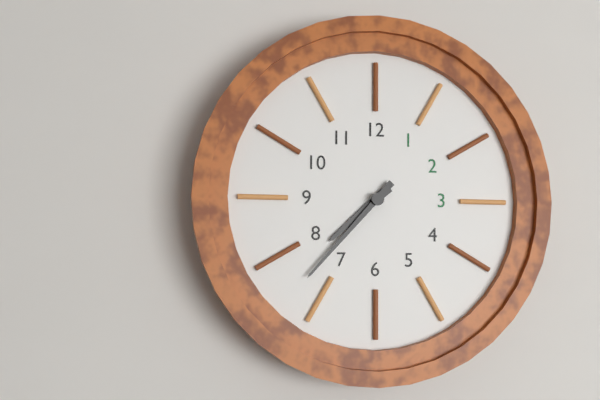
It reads 7,37
